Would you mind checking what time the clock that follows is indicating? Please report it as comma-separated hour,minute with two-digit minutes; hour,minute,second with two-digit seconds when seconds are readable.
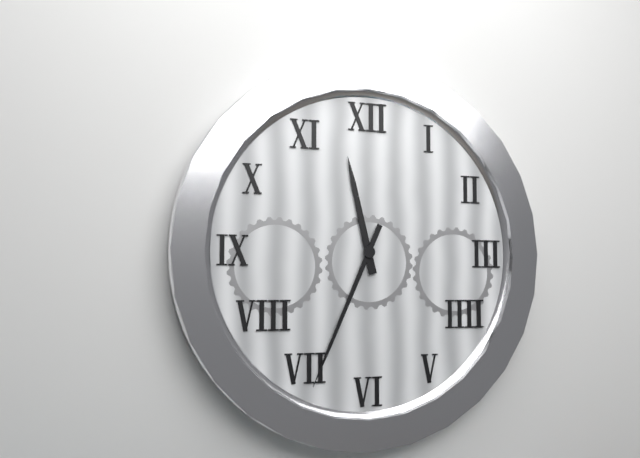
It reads 11,34
